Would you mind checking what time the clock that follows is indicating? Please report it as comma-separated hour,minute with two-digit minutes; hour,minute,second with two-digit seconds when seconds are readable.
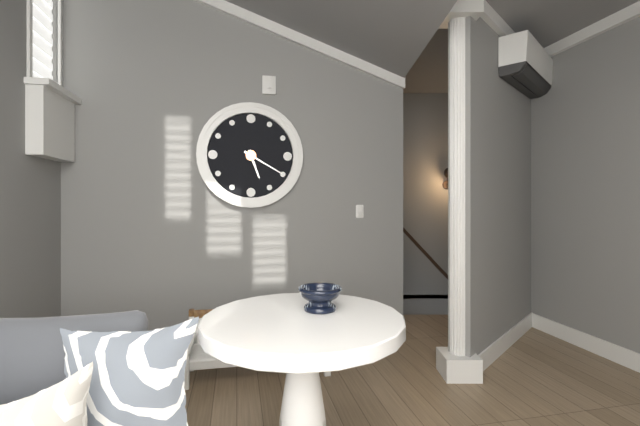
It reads 5,20
